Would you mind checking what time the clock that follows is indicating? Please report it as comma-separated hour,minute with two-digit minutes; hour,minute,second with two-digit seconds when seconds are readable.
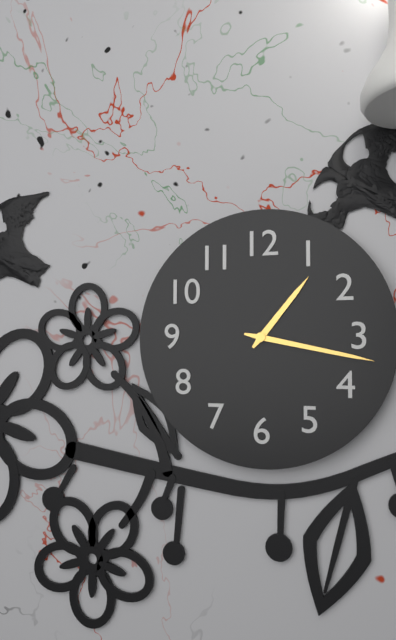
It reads 1,17
